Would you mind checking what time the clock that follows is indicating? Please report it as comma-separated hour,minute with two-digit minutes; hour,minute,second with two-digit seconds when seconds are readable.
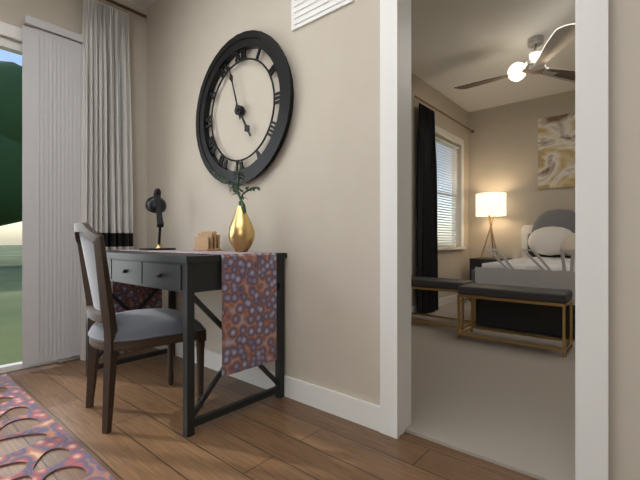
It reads 4,57
